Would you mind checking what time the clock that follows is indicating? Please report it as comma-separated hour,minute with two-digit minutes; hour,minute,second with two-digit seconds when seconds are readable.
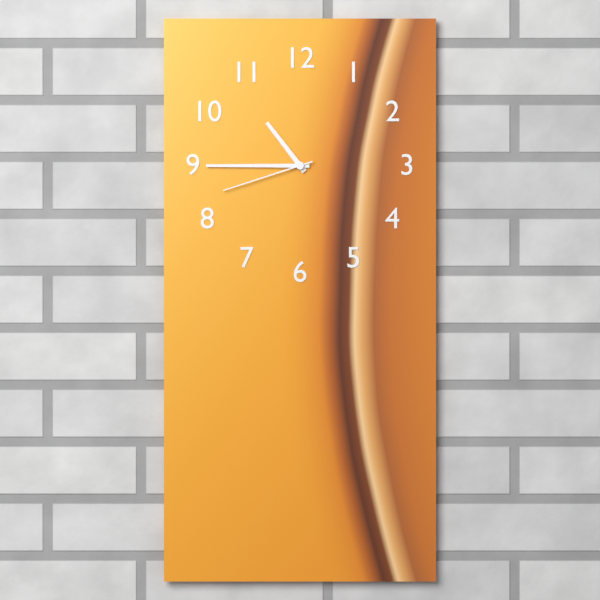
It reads 10,45,42
